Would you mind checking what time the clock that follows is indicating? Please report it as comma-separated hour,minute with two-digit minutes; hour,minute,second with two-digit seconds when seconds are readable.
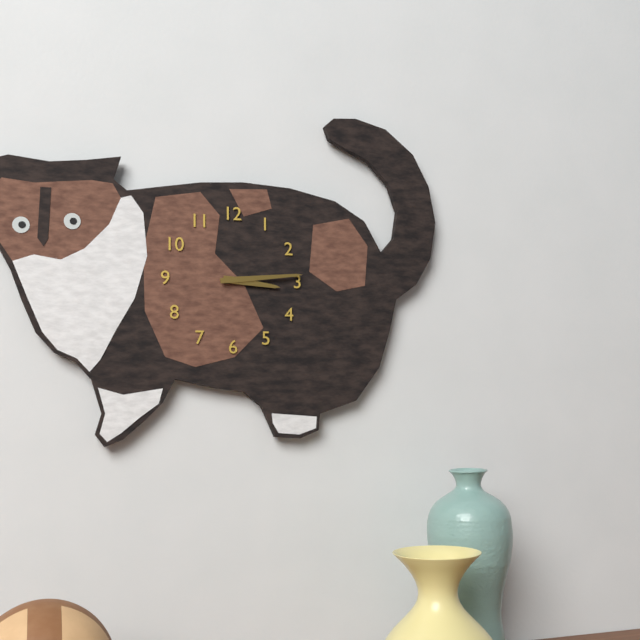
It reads 3,14
